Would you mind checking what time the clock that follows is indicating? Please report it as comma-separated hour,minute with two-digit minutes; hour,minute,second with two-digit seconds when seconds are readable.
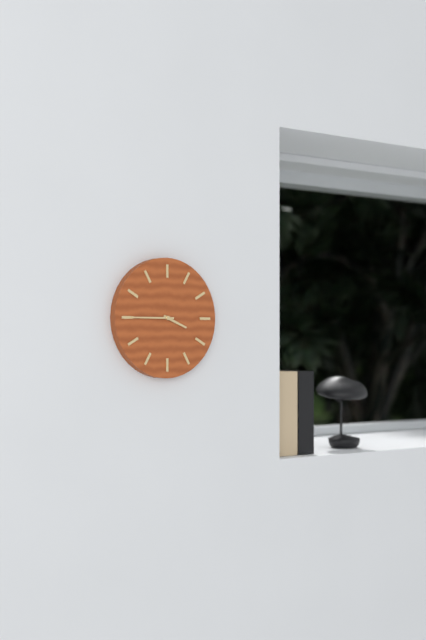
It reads 3,45
